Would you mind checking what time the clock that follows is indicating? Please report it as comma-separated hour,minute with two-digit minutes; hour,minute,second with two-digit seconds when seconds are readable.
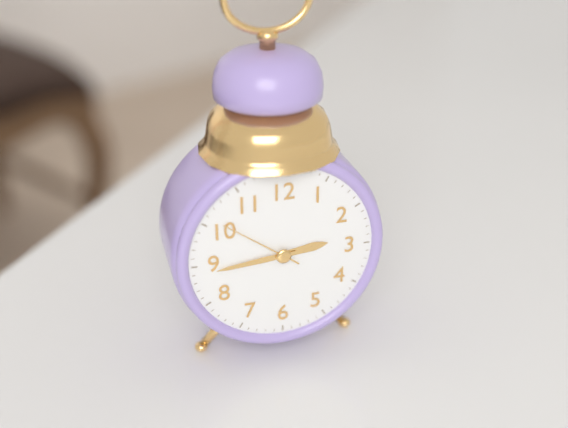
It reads 2,44,51
